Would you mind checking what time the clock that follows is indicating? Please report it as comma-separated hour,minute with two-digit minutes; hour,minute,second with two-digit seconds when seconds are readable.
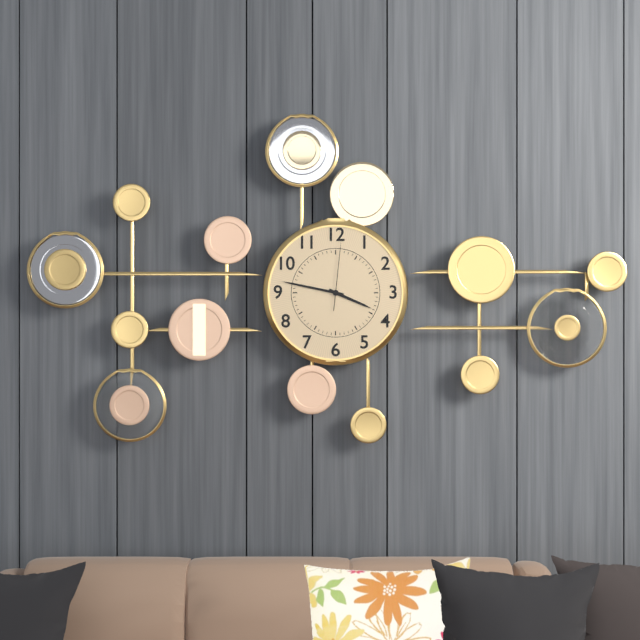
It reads 3,47,01
